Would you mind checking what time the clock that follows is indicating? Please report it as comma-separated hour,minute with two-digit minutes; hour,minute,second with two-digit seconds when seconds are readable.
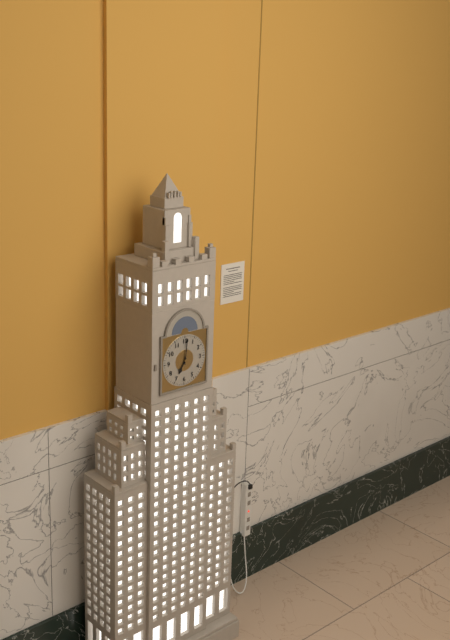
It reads 7,01
